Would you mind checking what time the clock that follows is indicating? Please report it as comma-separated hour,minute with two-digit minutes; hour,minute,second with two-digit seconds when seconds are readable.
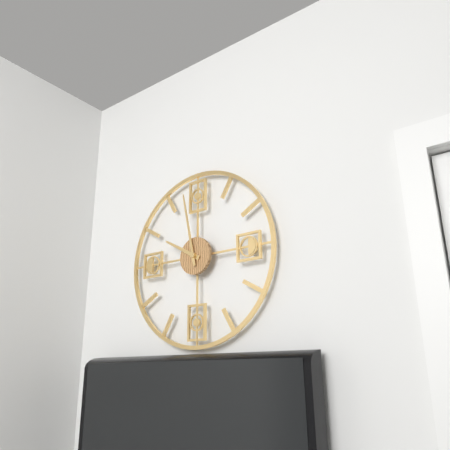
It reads 9,58
